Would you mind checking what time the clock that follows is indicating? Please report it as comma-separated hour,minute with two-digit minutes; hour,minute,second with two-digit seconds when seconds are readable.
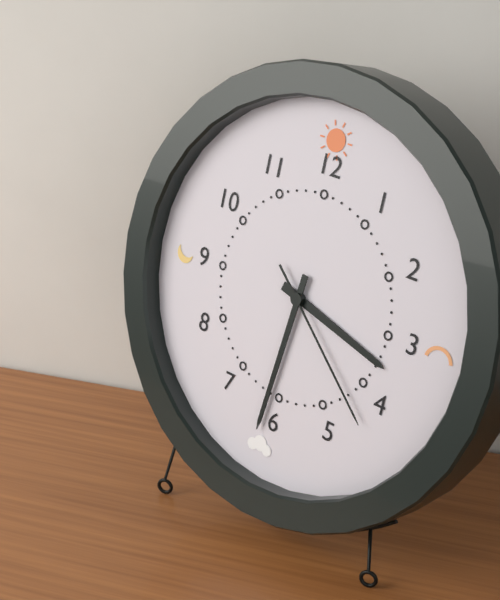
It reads 3,31,22
